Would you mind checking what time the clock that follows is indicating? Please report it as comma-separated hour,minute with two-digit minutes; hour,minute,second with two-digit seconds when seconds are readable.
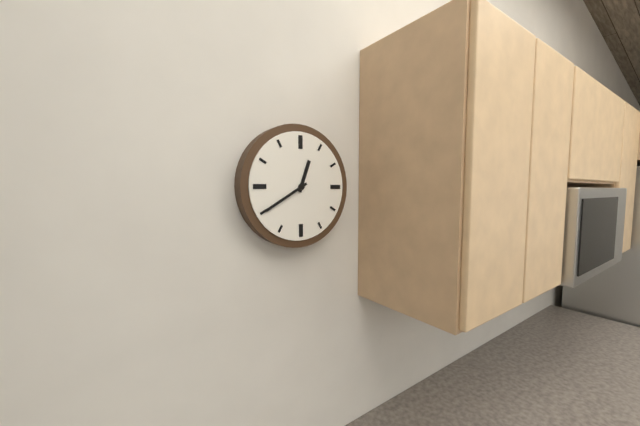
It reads 12,40
